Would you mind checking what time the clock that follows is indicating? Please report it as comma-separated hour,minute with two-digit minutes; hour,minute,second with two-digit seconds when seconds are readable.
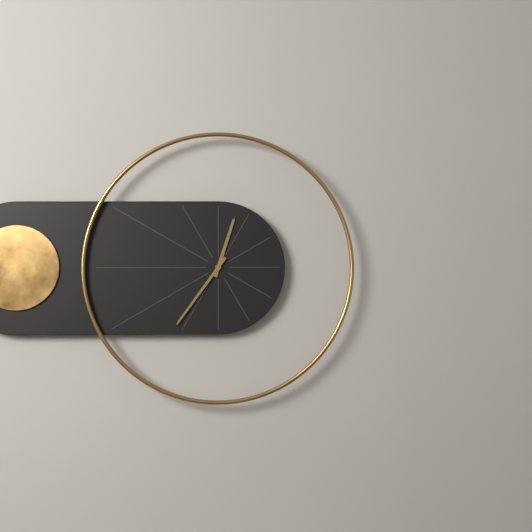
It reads 12,36
